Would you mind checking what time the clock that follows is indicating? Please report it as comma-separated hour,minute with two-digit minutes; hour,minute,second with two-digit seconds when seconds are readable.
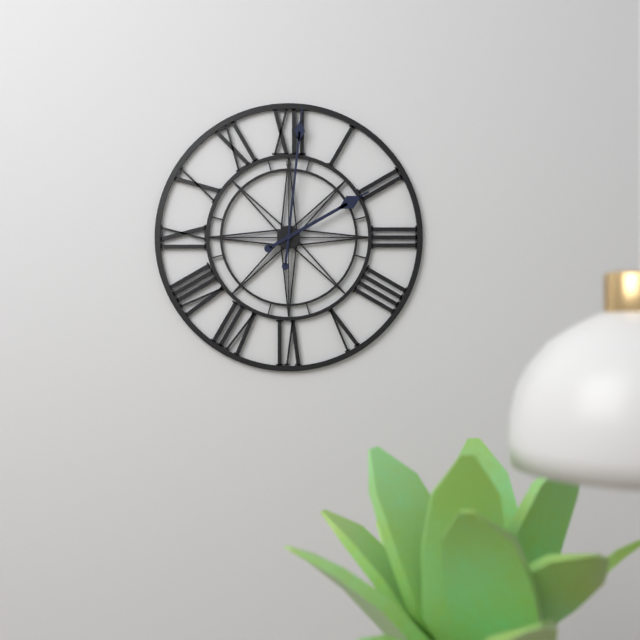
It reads 2,01
